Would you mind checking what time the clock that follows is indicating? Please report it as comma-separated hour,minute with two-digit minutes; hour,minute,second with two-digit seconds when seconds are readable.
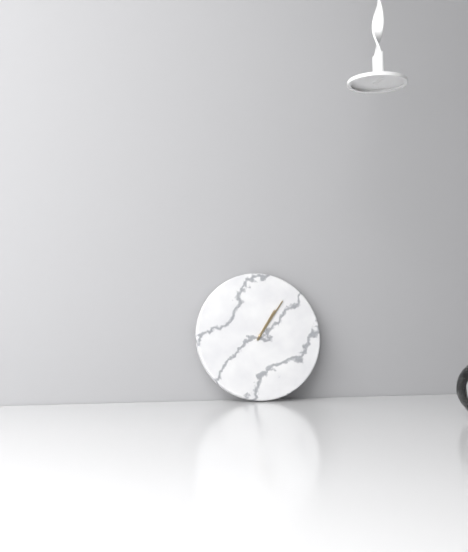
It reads 1,06
